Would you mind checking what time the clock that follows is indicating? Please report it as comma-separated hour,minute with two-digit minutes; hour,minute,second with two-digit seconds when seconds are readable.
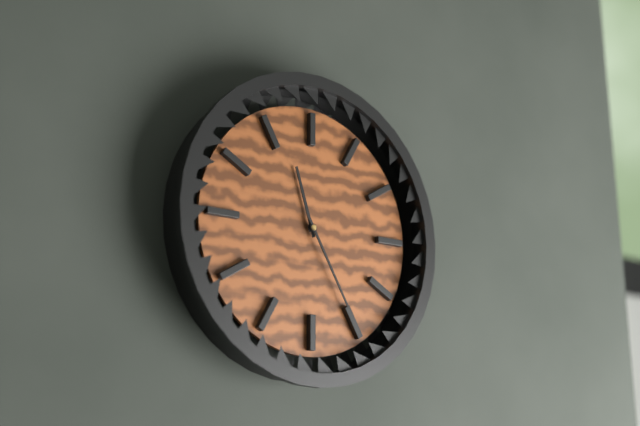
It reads 11,25
